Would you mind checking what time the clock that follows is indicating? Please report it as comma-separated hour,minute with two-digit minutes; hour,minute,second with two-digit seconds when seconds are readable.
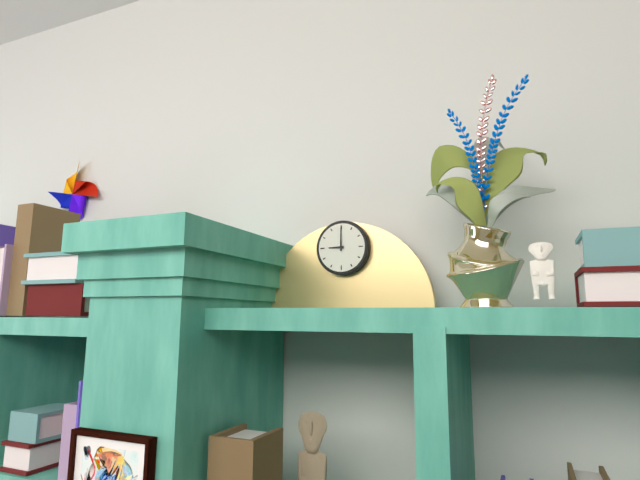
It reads 9,00
